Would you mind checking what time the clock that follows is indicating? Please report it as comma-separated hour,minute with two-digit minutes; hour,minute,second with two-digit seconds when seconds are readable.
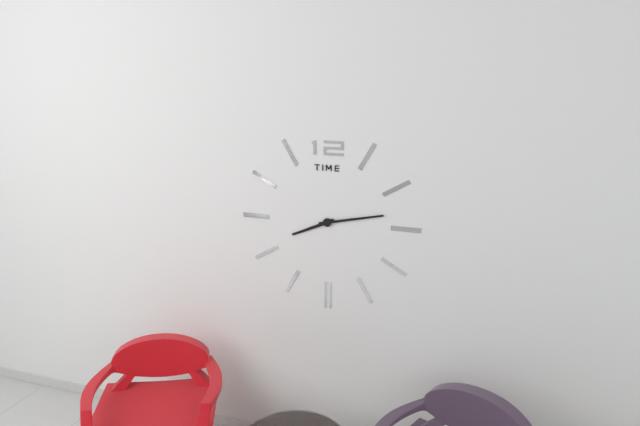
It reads 8,13
